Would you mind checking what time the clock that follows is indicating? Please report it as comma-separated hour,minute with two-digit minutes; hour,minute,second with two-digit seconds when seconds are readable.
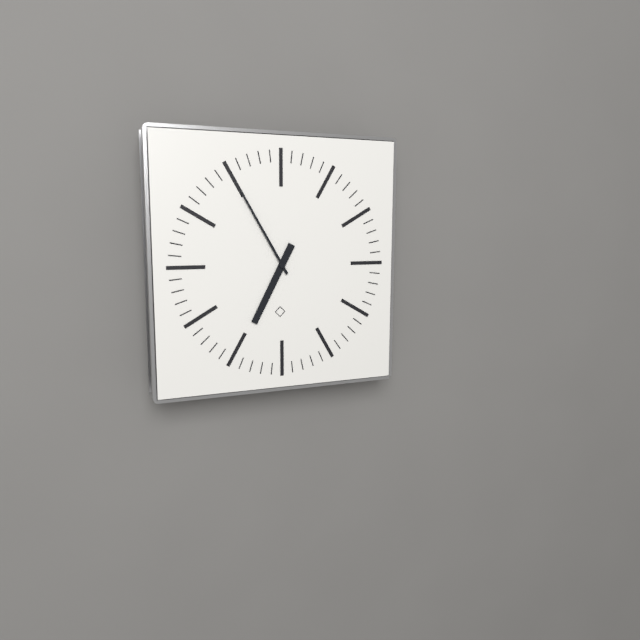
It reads 6,55
